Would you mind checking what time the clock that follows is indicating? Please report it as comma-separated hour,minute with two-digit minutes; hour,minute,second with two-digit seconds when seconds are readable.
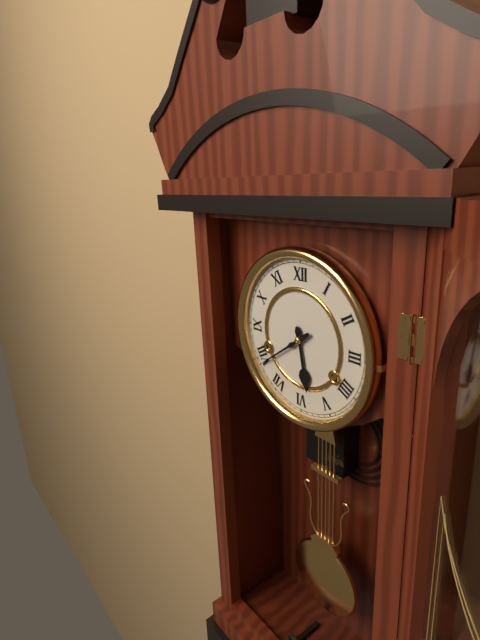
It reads 5,39
